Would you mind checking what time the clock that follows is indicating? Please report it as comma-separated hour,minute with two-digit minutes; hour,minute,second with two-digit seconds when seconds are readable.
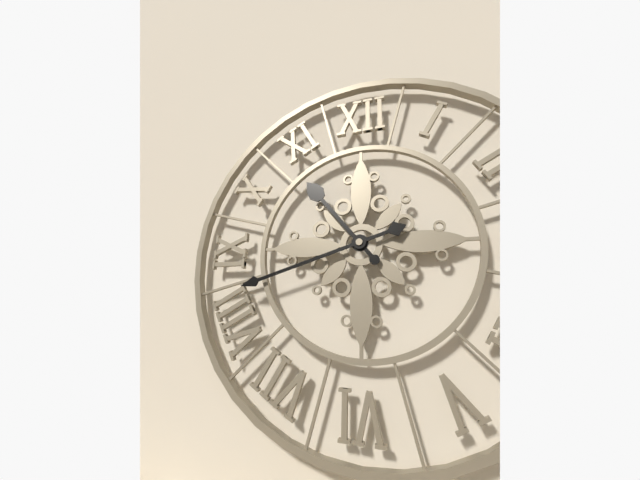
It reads 10,42
